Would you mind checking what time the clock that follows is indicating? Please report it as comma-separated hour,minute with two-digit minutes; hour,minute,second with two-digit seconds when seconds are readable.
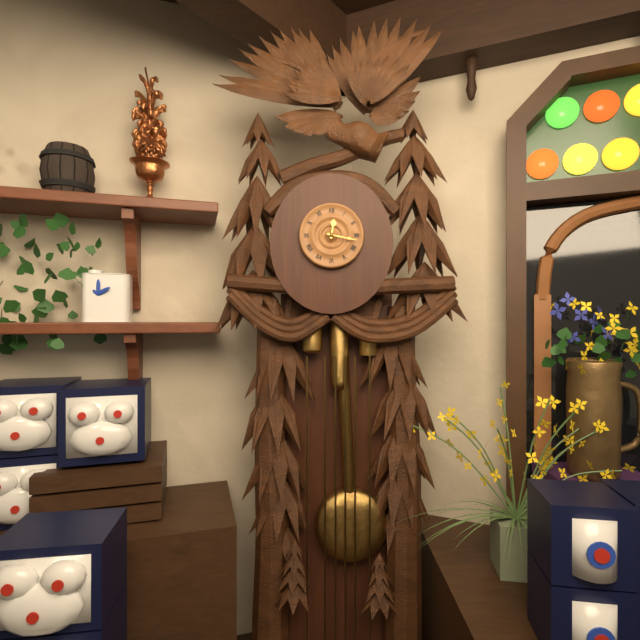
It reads 12,17
